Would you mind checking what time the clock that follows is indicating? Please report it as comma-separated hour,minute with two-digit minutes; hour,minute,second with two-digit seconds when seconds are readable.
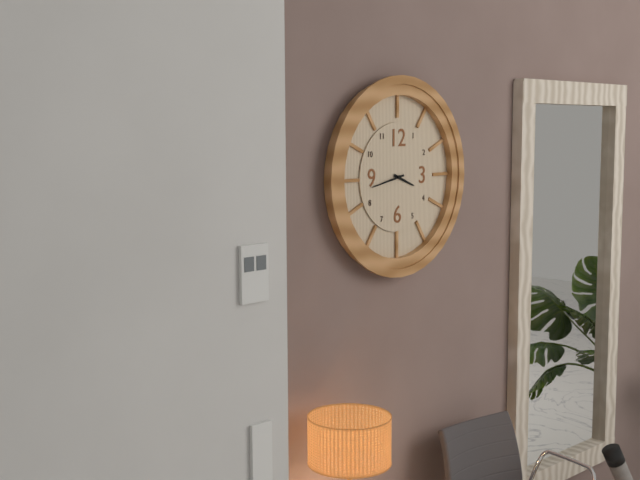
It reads 3,43
